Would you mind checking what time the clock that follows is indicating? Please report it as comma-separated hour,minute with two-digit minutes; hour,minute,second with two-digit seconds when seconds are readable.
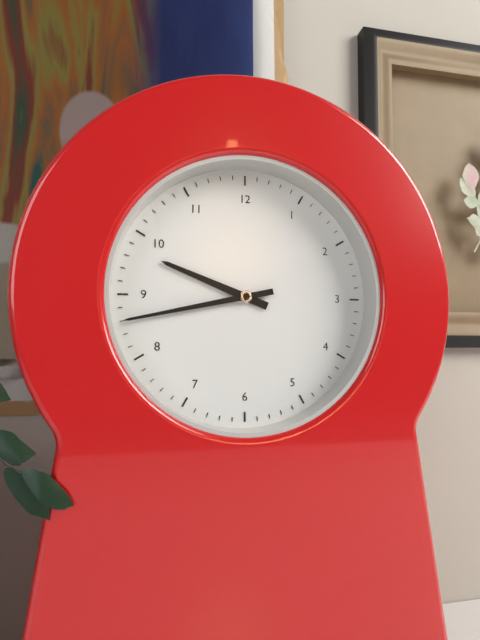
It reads 9,43
